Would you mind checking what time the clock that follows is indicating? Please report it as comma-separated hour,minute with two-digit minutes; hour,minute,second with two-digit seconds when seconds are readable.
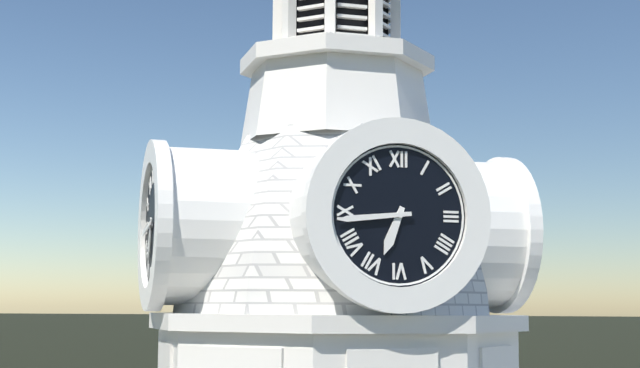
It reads 6,44
